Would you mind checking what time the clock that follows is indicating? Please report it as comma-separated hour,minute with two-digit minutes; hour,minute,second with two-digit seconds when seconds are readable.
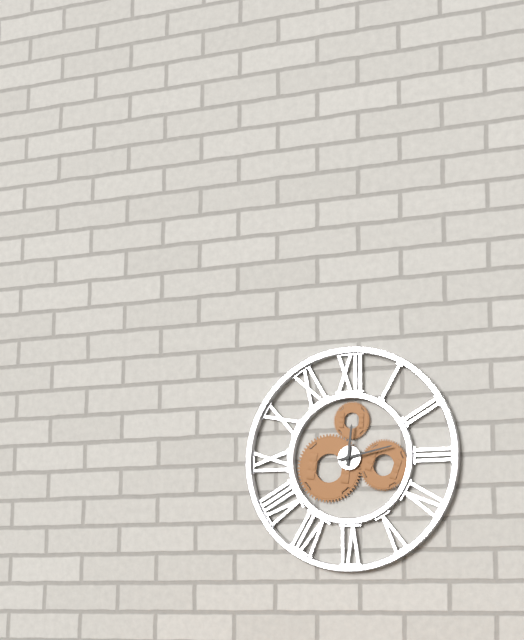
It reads 12,13
